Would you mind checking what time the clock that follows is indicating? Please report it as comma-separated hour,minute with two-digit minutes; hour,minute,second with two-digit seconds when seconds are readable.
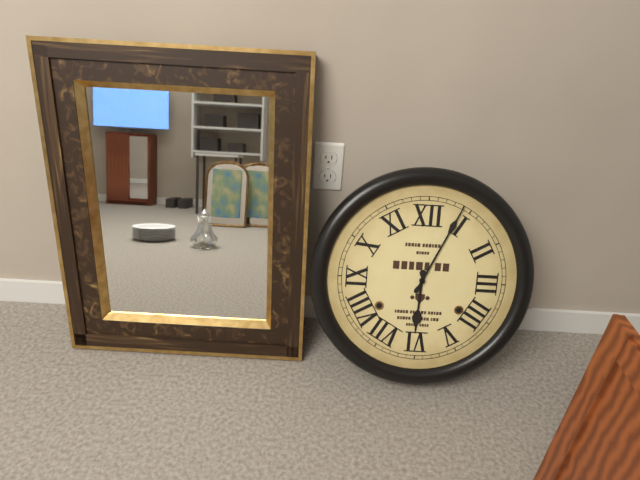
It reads 6,04
